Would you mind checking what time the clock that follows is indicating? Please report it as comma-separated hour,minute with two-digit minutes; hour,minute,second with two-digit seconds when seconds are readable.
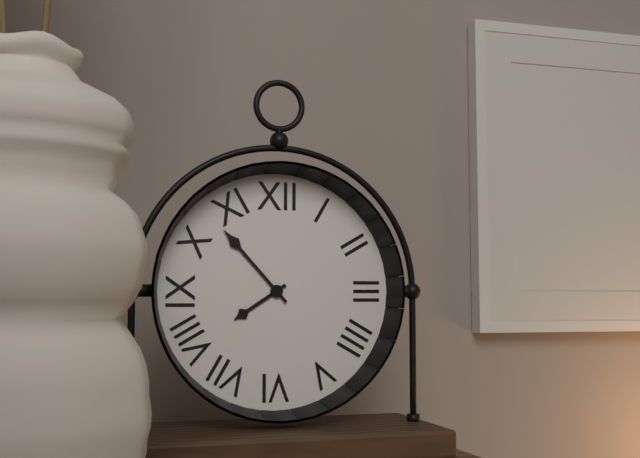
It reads 7,53
